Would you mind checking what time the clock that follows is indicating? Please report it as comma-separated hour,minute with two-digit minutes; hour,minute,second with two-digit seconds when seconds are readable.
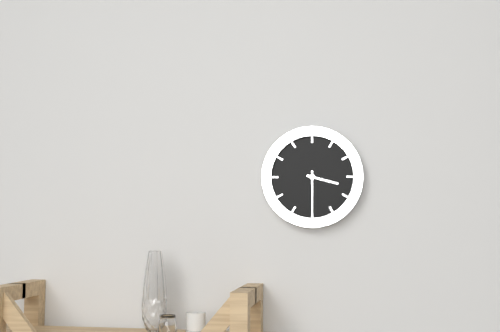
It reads 3,30
